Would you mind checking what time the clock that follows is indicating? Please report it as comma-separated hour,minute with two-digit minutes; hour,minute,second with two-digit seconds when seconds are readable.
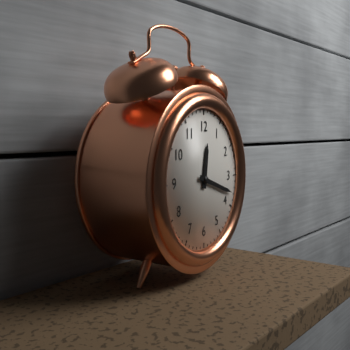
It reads 12,18
